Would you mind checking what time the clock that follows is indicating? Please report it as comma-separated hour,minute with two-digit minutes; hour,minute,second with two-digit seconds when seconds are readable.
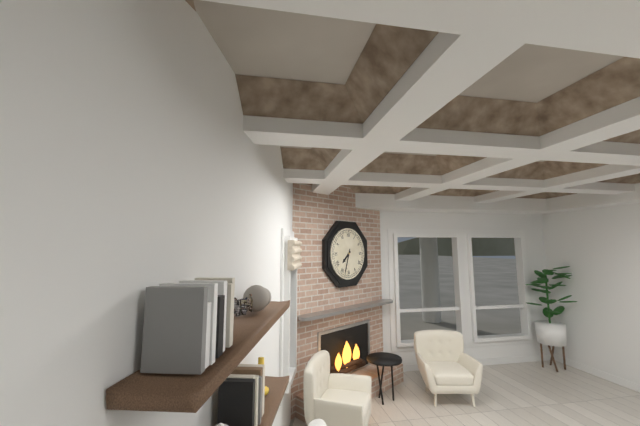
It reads 7,33
